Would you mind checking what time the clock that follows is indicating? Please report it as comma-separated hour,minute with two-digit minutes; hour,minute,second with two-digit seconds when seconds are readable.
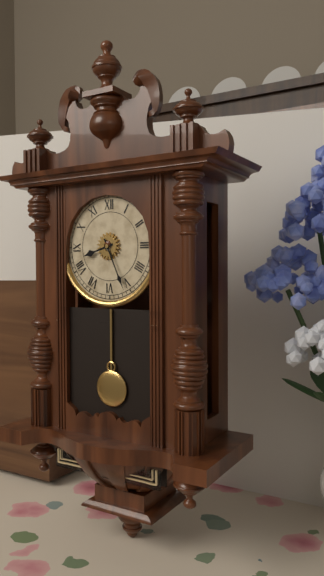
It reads 8,26
